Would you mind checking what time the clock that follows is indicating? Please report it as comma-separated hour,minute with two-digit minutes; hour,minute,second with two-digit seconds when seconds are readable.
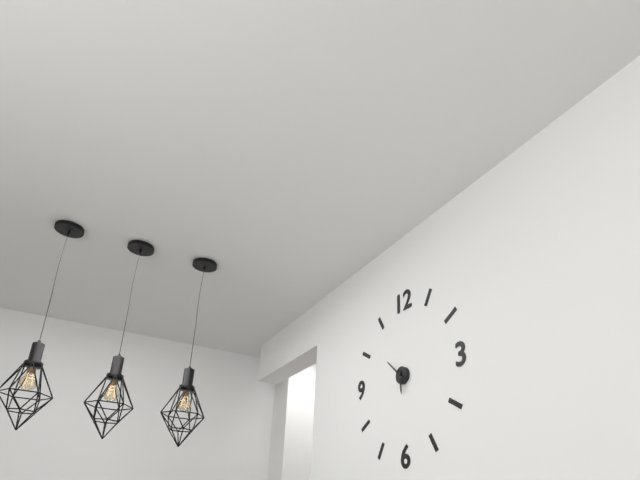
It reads 5,52
